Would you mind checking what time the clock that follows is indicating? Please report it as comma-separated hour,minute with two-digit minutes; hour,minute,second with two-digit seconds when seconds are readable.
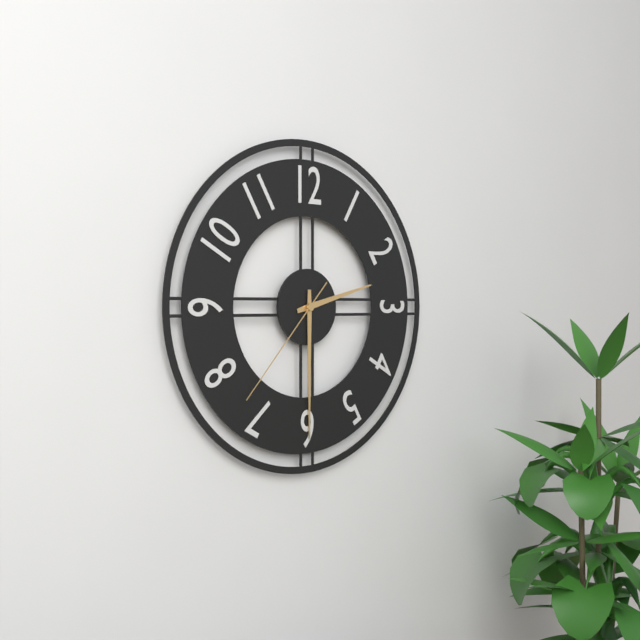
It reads 2,30,37
